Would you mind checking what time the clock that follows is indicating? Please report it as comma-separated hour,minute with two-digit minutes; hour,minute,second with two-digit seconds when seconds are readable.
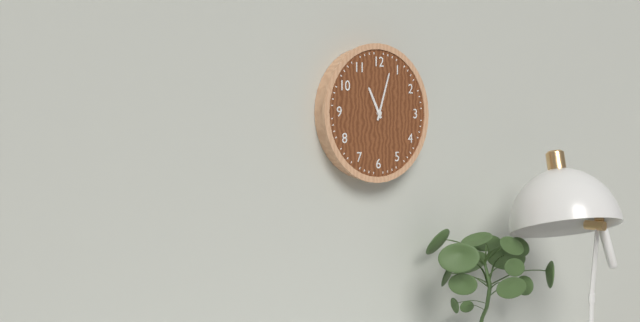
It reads 11,03
